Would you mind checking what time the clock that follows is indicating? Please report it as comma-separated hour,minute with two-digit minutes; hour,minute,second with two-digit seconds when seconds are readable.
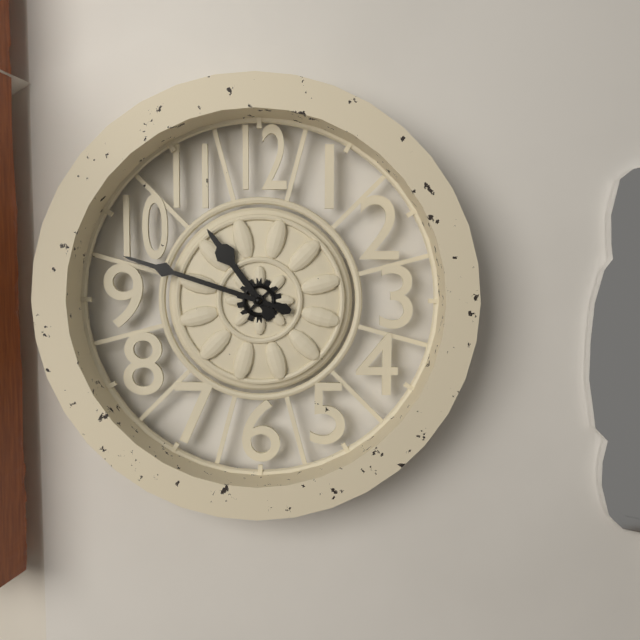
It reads 10,48
